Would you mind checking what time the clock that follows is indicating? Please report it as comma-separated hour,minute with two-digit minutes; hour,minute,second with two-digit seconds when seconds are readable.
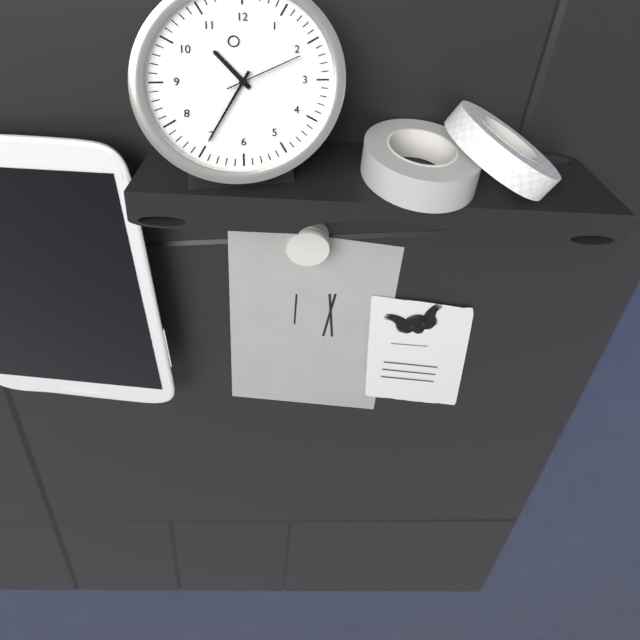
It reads 10,35,11
